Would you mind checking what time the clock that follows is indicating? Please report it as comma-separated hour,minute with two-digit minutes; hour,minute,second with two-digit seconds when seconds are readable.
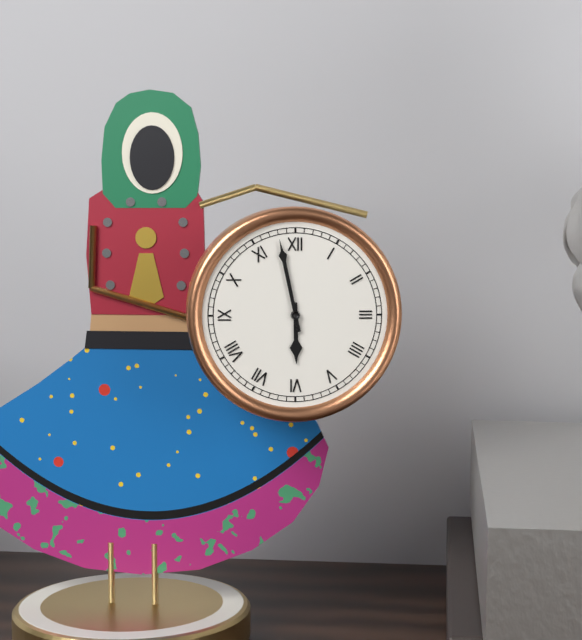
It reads 5,58
